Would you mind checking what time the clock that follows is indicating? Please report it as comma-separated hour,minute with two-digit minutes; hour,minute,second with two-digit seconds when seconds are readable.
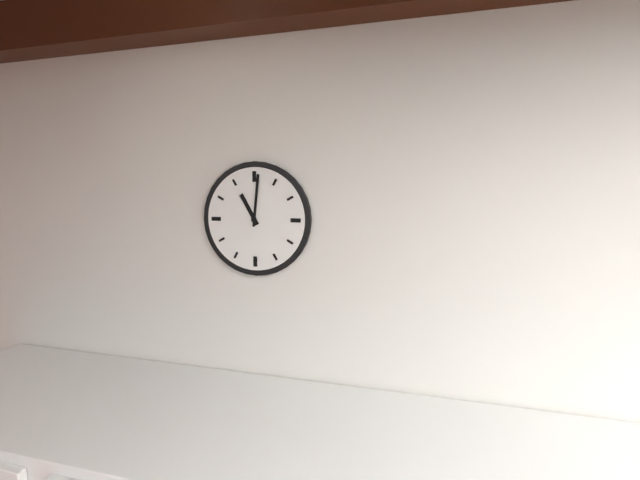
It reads 11,01
